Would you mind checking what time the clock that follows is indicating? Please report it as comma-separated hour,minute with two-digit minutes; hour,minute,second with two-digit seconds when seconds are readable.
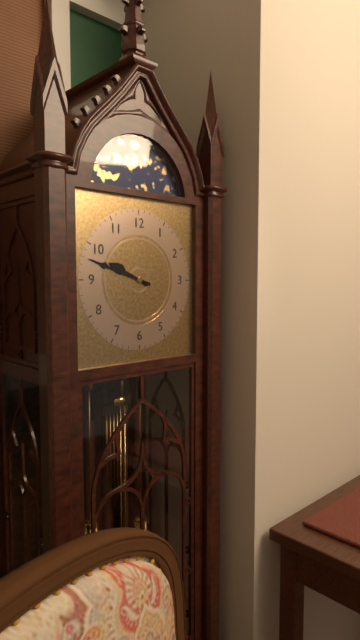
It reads 9,48
